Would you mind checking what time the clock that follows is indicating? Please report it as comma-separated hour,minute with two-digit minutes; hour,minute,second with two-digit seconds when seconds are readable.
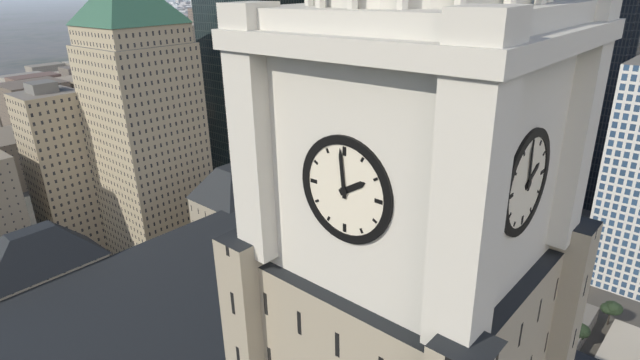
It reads 1,59
